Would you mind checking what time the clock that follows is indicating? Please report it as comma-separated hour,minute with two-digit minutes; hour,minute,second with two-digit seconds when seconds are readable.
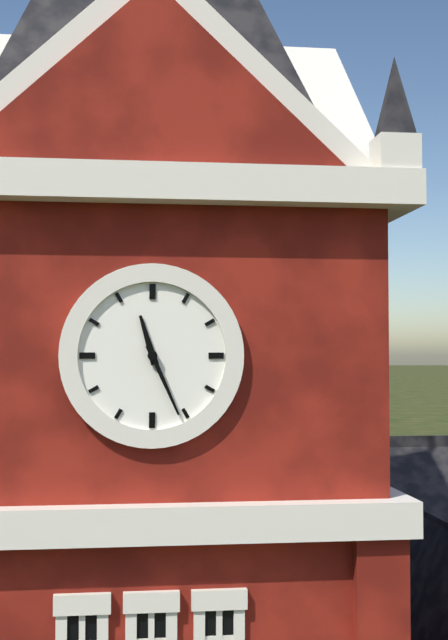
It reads 11,26
